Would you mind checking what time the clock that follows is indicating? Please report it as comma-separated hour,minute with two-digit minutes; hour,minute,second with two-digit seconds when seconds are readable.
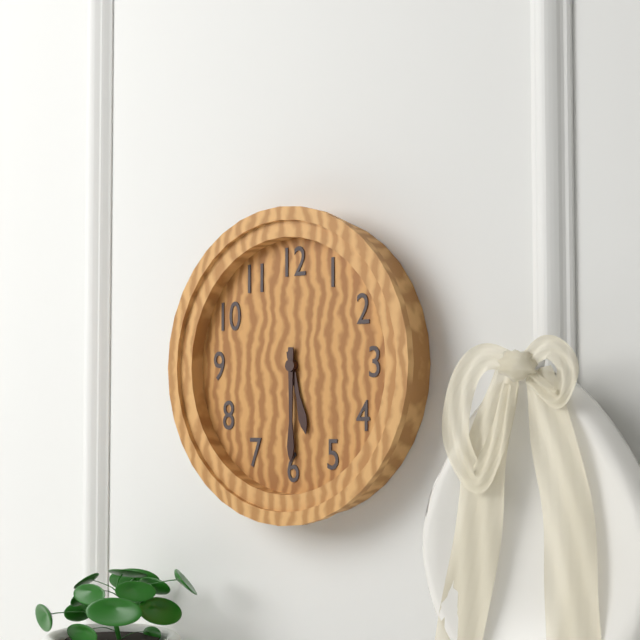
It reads 5,30
